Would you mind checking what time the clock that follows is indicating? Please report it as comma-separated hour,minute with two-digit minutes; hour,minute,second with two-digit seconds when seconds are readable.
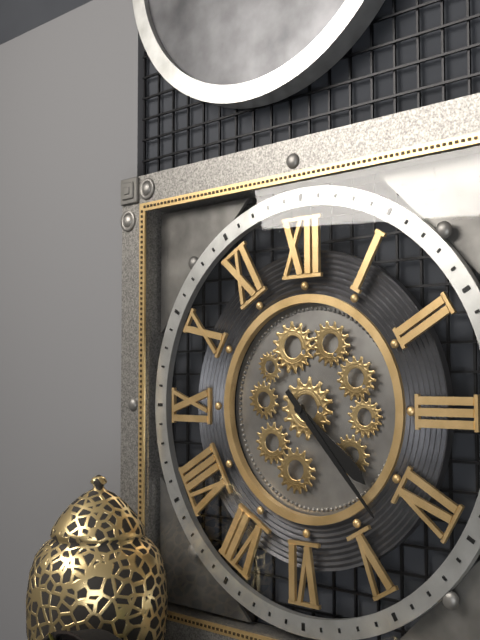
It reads 4,23
